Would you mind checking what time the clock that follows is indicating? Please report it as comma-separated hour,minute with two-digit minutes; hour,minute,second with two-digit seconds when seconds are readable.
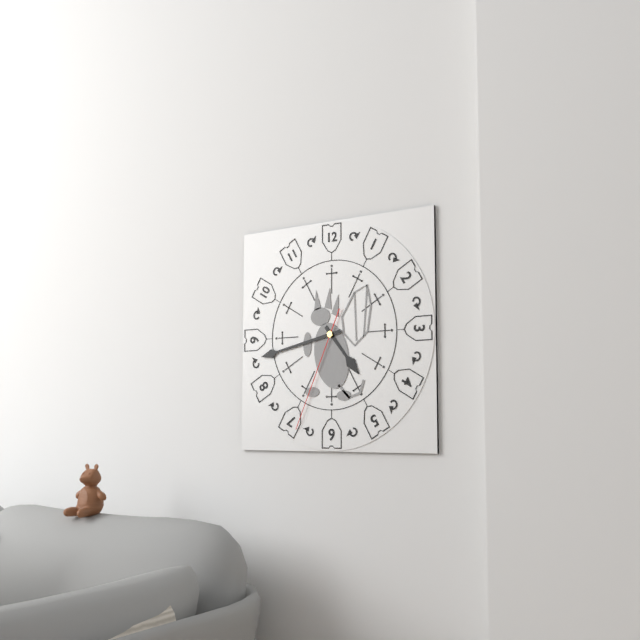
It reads 4,43,34
